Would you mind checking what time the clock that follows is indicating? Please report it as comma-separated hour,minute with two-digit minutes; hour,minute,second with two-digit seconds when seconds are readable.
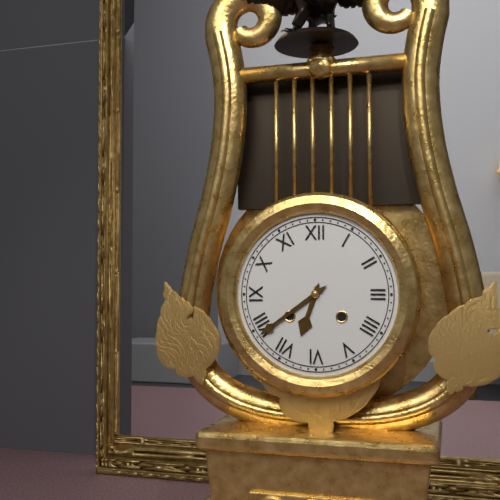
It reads 6,39
